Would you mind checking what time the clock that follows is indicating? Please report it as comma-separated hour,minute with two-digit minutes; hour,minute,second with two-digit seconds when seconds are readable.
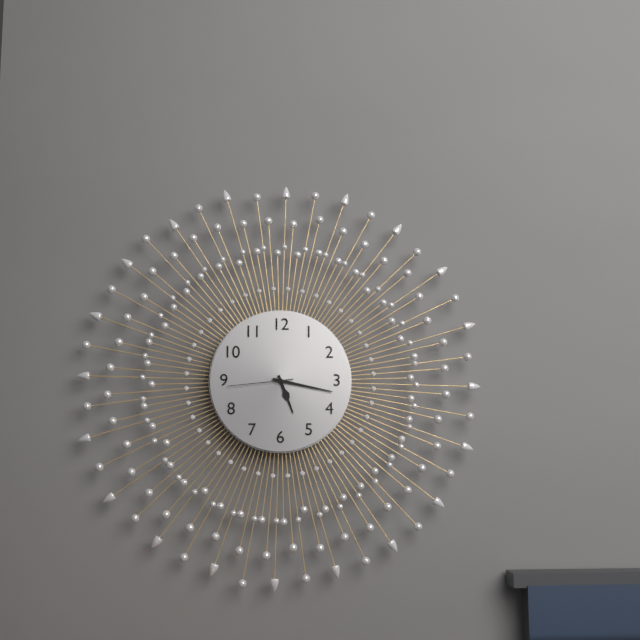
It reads 5,17,44
